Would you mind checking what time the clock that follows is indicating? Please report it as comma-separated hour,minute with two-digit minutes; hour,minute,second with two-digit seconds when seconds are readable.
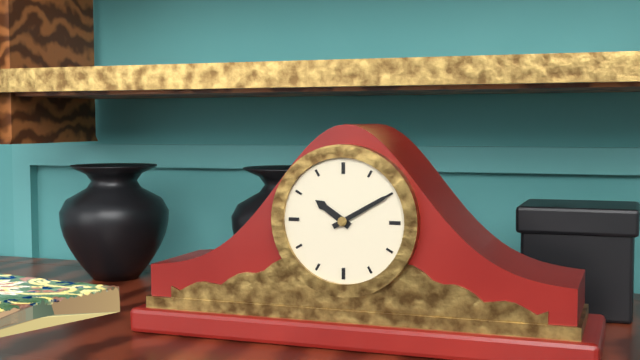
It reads 10,10
